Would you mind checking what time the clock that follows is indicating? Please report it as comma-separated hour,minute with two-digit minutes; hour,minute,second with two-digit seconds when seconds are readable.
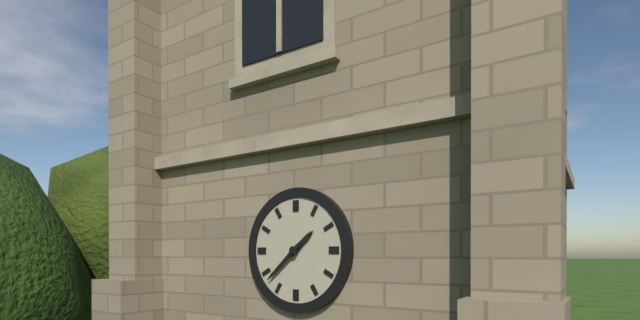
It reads 1,38
